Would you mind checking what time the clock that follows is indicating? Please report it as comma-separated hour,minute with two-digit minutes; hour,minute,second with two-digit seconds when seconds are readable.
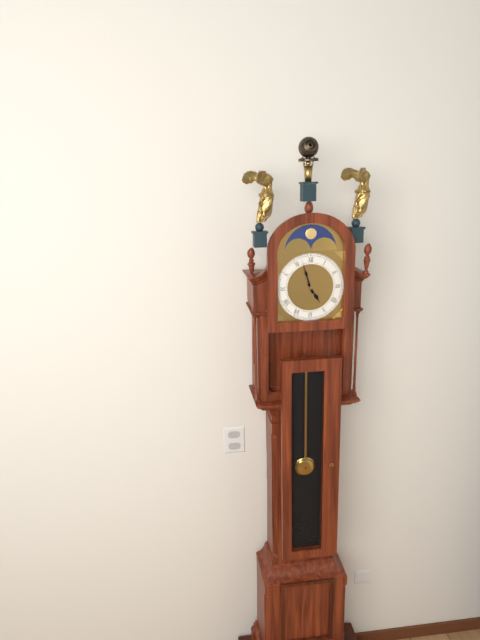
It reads 4,57
